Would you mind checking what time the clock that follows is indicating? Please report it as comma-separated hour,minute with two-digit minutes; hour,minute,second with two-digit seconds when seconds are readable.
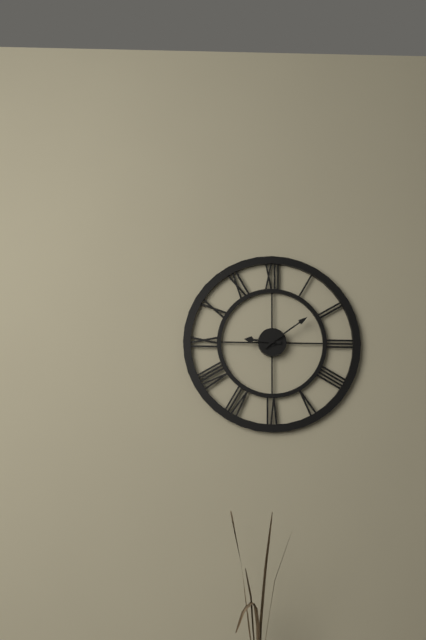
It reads 9,09
